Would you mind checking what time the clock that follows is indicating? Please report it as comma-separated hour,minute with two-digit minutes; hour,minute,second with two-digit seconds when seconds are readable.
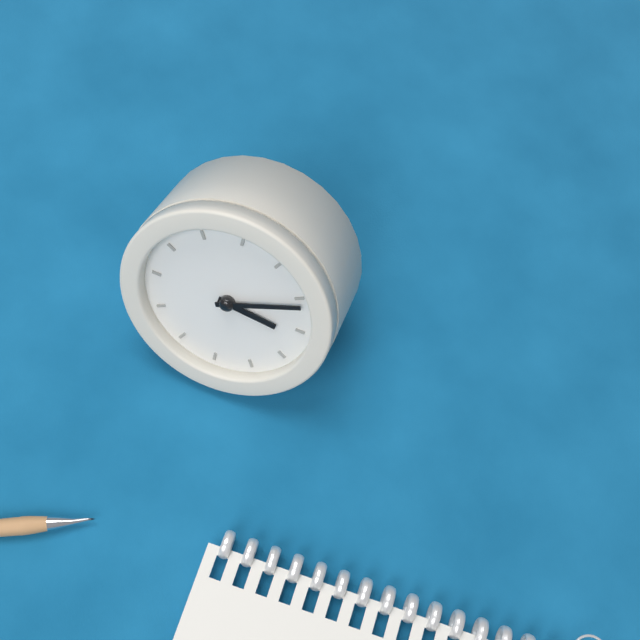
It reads 3,11
